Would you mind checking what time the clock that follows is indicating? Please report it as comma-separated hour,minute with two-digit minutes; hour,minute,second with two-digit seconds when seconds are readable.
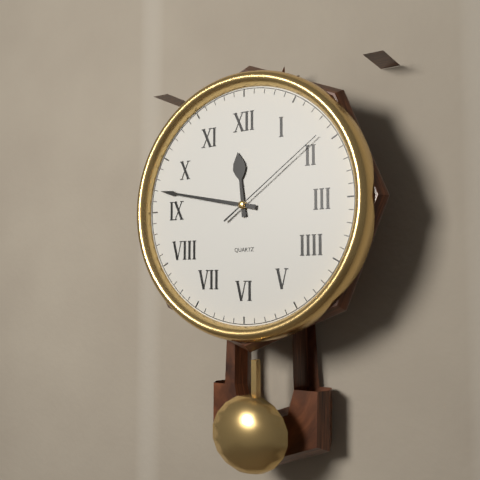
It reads 11,47,09
